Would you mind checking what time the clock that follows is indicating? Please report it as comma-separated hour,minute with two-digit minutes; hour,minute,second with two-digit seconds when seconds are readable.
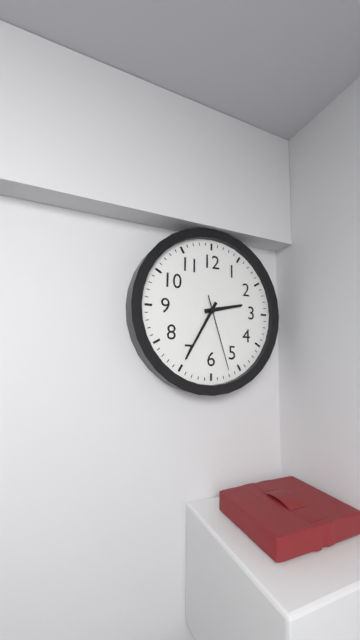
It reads 2,35,27
